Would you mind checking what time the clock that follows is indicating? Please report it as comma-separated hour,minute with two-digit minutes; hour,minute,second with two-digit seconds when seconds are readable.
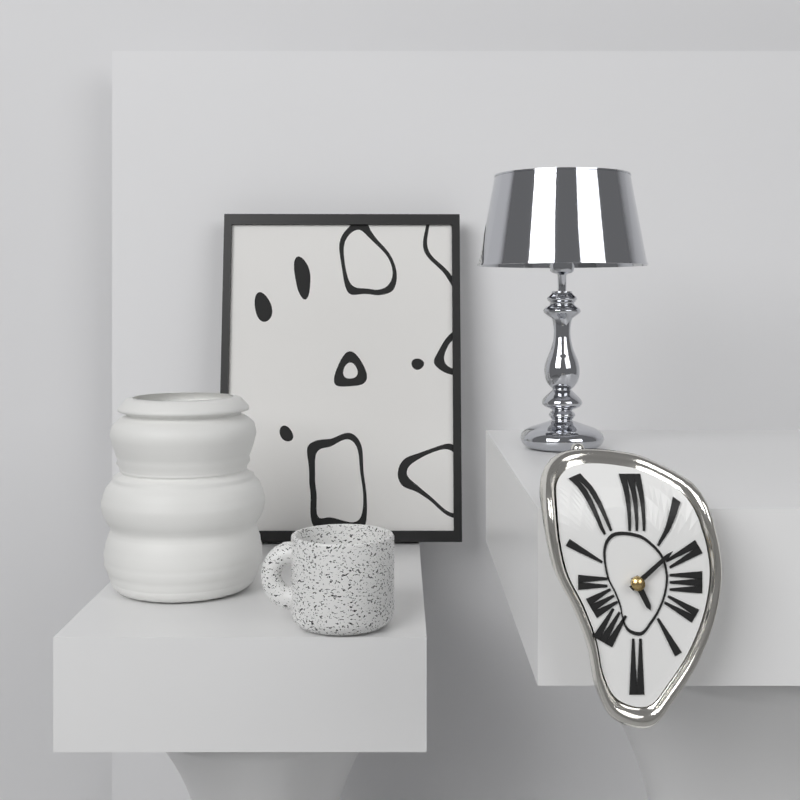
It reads 5,08
